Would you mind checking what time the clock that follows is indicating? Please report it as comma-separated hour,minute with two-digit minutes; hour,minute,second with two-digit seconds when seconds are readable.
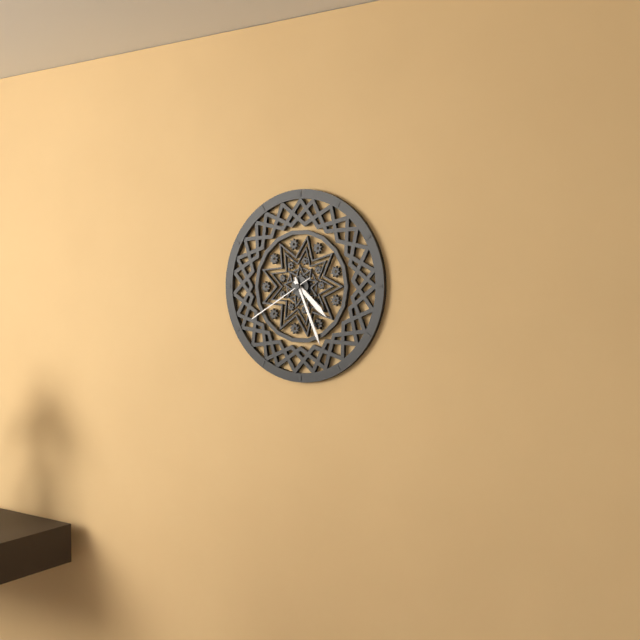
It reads 4,26,40
